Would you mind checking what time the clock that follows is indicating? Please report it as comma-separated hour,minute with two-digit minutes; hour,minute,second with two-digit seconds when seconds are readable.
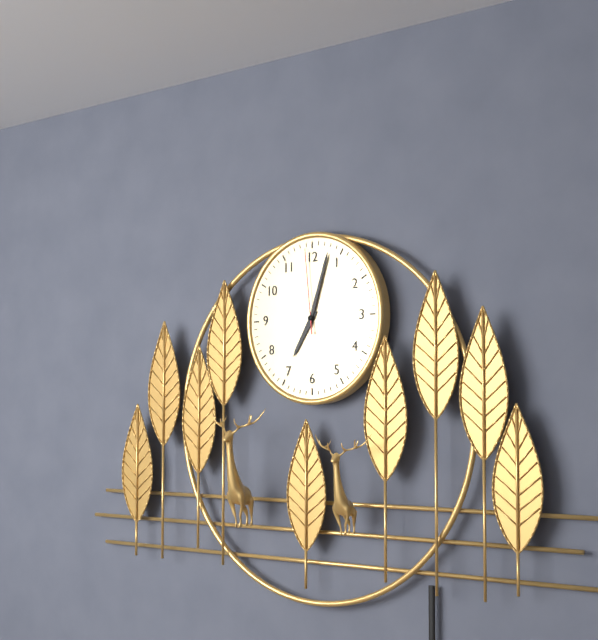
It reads 7,03,59
